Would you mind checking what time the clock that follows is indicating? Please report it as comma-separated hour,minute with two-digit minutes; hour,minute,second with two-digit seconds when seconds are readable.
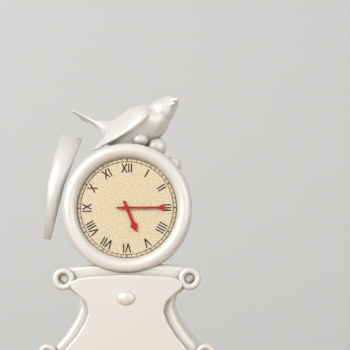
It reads 5,15
